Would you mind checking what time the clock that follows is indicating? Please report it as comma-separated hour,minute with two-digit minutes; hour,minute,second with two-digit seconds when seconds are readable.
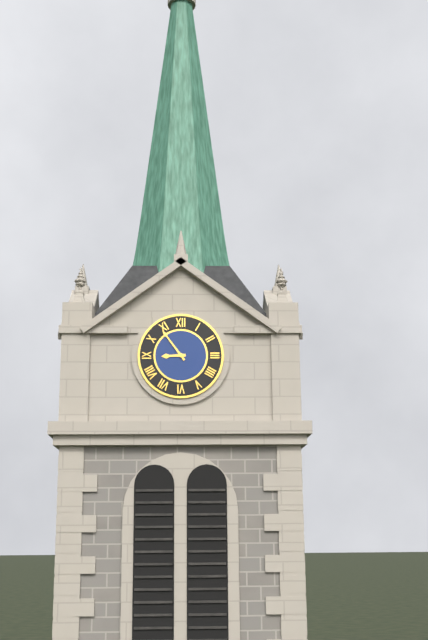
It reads 8,54
